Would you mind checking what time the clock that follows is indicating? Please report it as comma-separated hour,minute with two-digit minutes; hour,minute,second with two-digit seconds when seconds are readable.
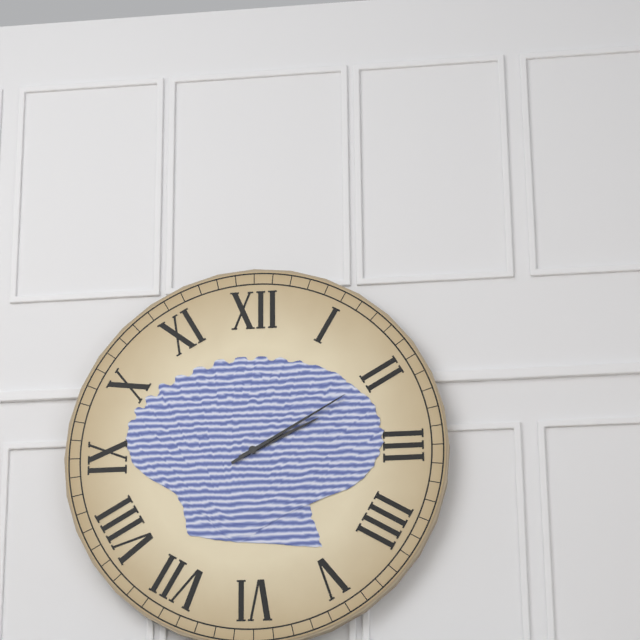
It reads 2,10
